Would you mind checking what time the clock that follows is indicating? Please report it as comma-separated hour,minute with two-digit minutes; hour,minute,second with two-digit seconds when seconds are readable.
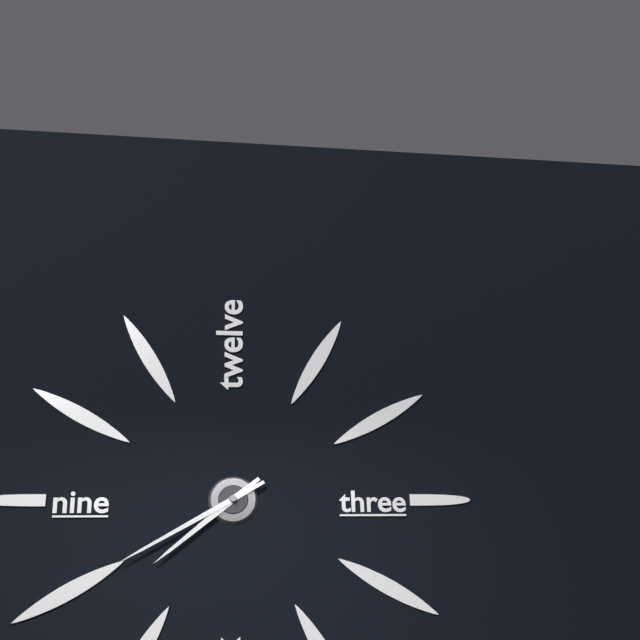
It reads 7,40
